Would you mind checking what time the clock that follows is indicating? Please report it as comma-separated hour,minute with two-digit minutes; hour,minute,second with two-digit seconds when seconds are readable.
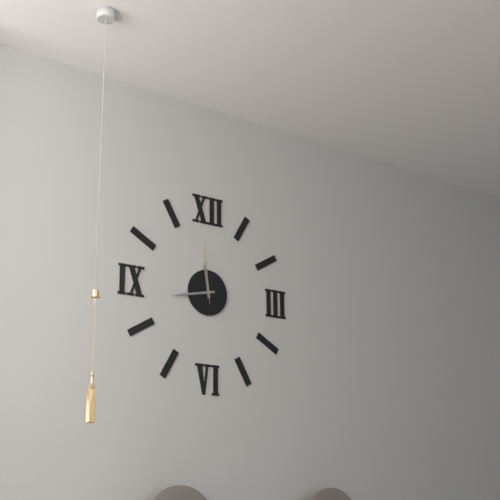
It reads 11,43,59
